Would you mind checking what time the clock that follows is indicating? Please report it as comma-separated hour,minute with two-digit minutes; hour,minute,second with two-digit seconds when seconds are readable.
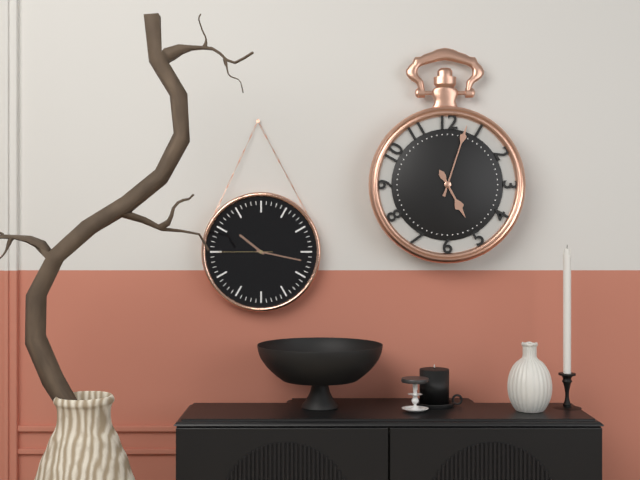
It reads 5,03
